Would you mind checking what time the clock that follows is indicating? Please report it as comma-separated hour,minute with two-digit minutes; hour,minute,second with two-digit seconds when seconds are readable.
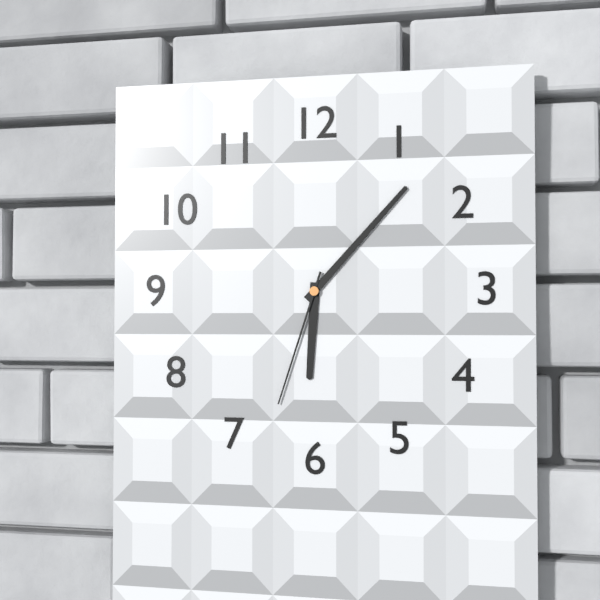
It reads 6,07,33
